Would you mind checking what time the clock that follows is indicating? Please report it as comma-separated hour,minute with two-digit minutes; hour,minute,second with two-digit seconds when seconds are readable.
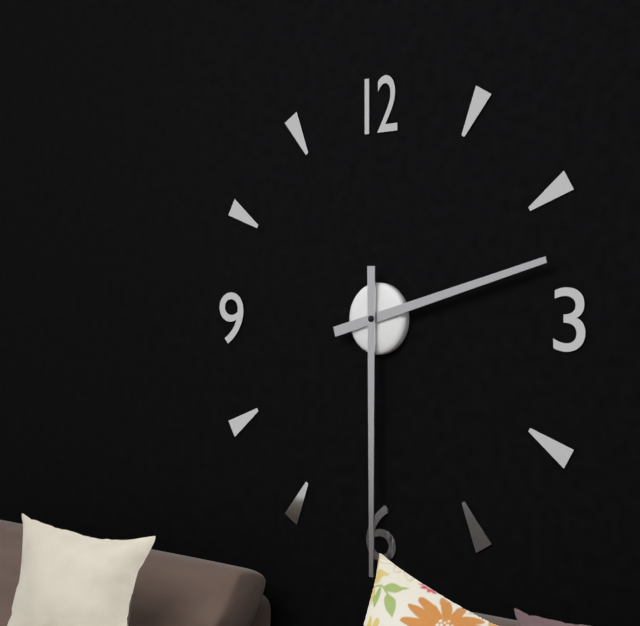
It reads 2,30
